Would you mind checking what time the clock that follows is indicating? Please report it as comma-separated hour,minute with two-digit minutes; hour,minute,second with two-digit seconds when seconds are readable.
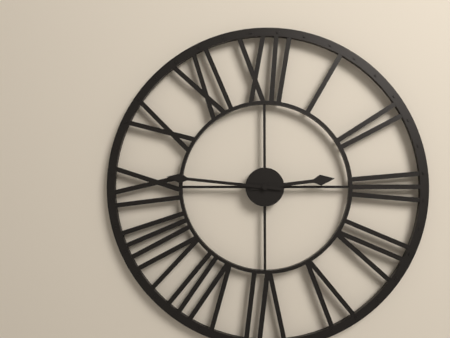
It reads 2,46
